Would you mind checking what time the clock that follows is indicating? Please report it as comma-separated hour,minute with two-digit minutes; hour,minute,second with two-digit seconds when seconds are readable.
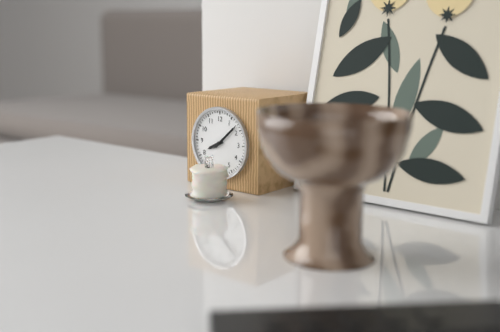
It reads 8,08
